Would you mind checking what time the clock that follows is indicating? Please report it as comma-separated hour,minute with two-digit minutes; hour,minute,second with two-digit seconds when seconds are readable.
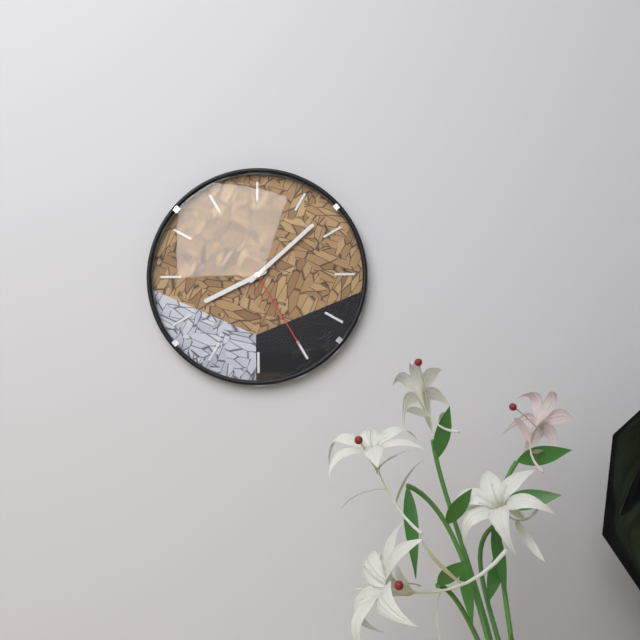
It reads 8,08,25
